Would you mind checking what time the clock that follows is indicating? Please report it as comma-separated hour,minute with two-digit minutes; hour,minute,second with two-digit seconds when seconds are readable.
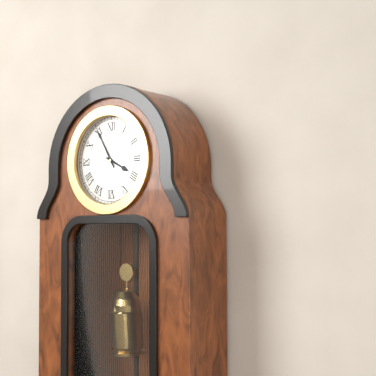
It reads 3,55
